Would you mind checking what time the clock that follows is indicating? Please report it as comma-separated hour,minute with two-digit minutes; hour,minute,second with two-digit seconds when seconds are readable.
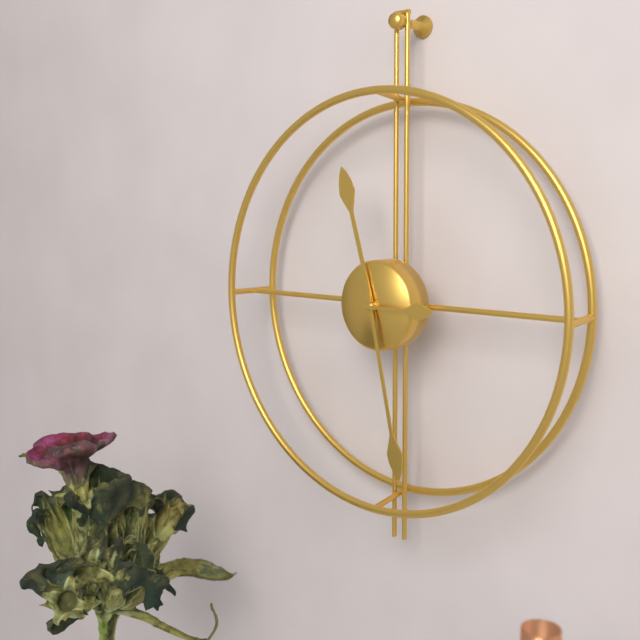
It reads 11,28,15
